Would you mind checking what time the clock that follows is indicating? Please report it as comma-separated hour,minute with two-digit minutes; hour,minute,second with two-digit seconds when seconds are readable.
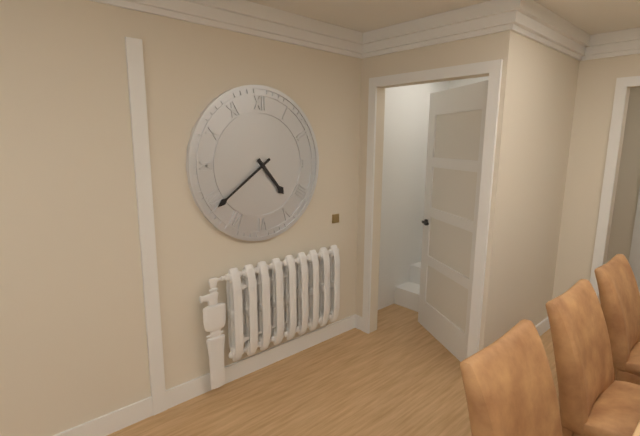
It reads 4,39
